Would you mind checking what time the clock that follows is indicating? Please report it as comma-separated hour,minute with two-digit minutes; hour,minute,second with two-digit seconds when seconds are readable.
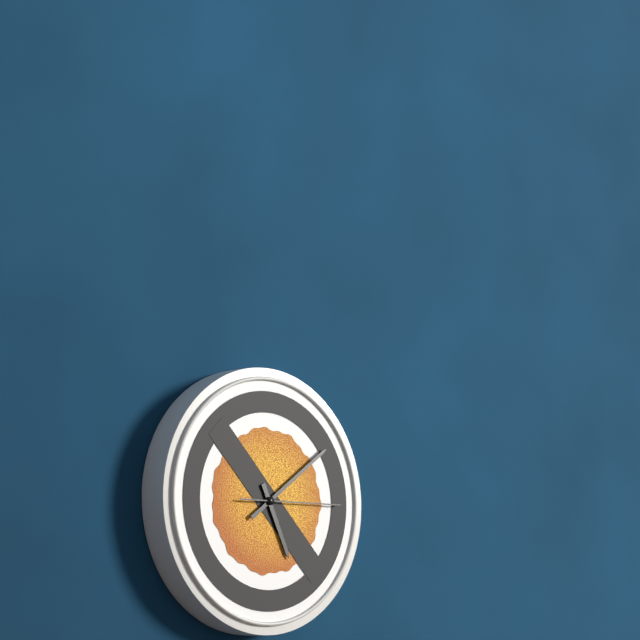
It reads 5,09,15
